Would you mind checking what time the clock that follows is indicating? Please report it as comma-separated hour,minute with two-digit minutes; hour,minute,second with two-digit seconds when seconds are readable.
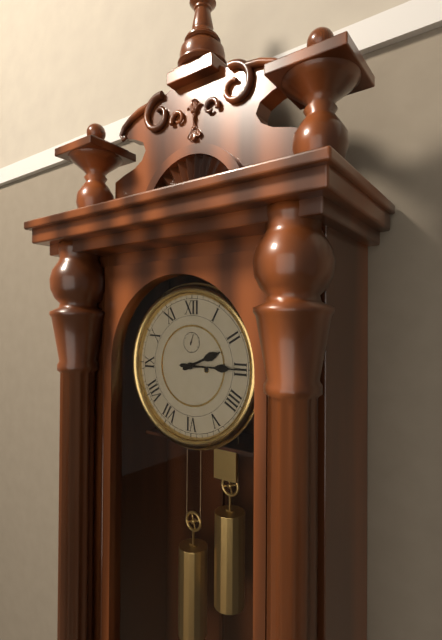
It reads 2,15
